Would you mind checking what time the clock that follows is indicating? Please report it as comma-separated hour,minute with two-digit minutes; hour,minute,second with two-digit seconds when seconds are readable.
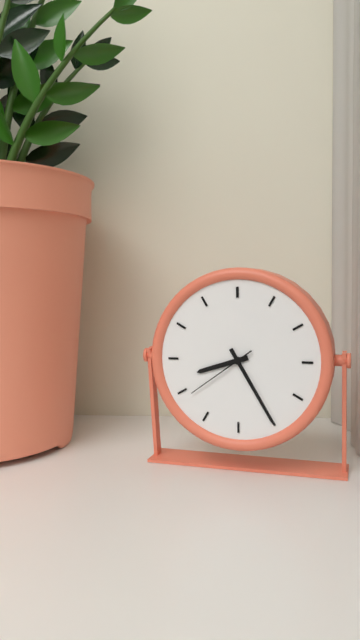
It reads 8,25,39
